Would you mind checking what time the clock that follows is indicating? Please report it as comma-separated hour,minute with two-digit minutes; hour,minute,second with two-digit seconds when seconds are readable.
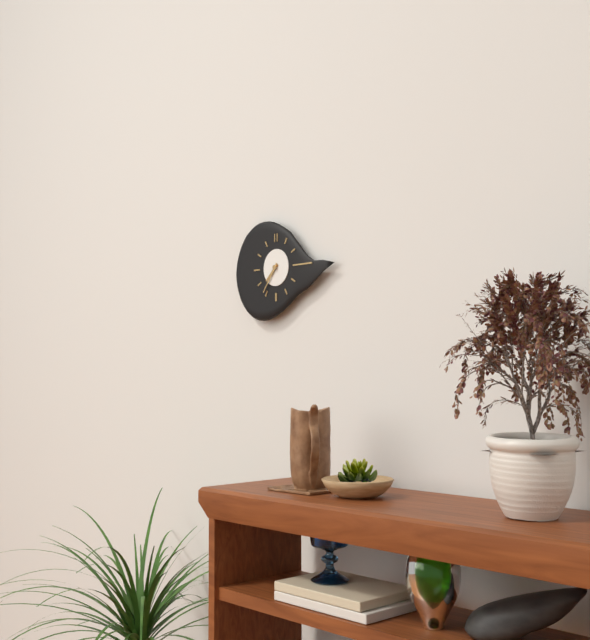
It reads 7,36
